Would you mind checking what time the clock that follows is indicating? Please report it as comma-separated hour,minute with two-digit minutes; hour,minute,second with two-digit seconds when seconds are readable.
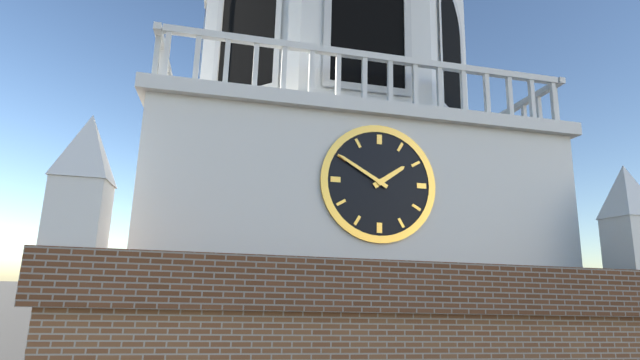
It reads 1,50
